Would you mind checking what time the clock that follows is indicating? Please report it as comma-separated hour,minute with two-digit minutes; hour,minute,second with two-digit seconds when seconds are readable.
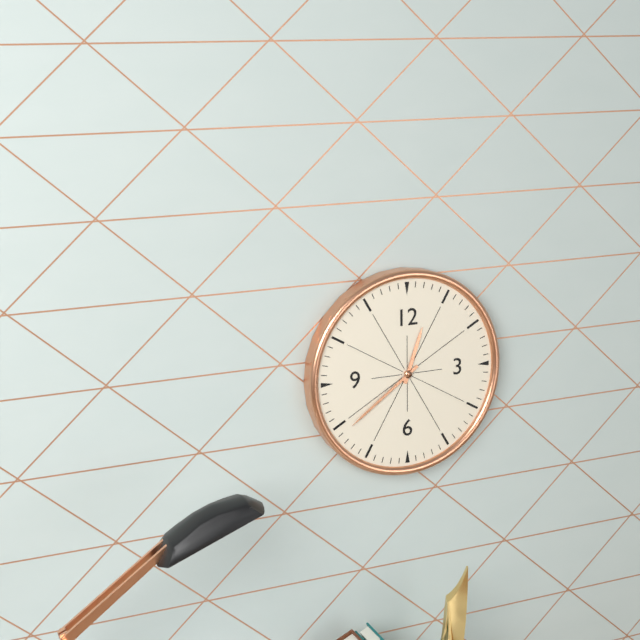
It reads 12,39
